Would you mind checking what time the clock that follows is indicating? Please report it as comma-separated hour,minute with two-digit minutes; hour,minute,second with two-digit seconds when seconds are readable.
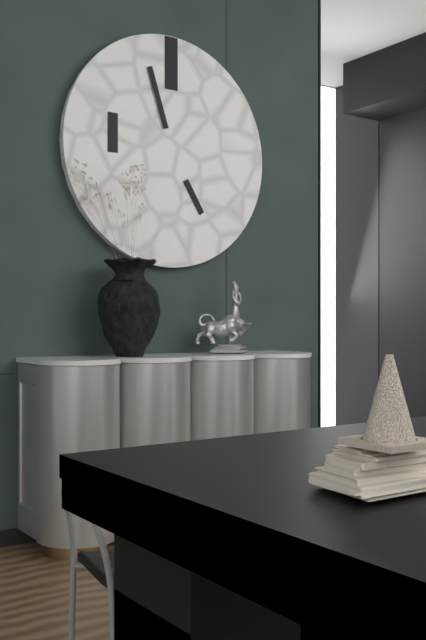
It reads 4,57
